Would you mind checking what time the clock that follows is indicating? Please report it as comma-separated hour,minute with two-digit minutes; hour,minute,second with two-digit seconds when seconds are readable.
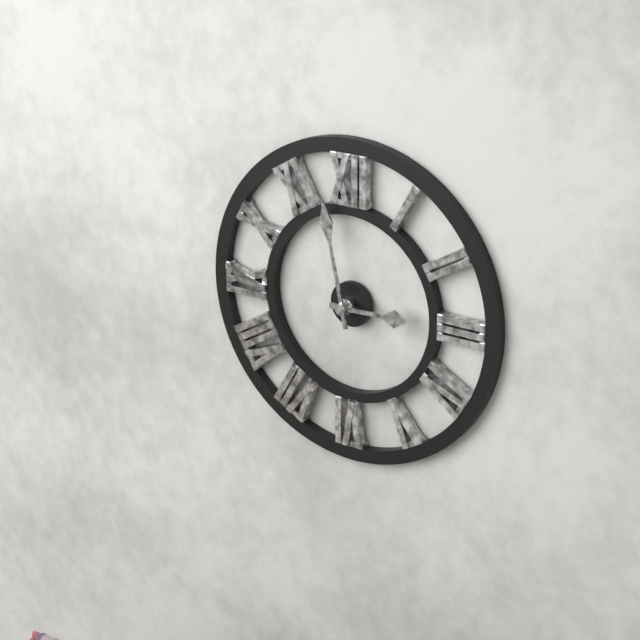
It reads 2,58
